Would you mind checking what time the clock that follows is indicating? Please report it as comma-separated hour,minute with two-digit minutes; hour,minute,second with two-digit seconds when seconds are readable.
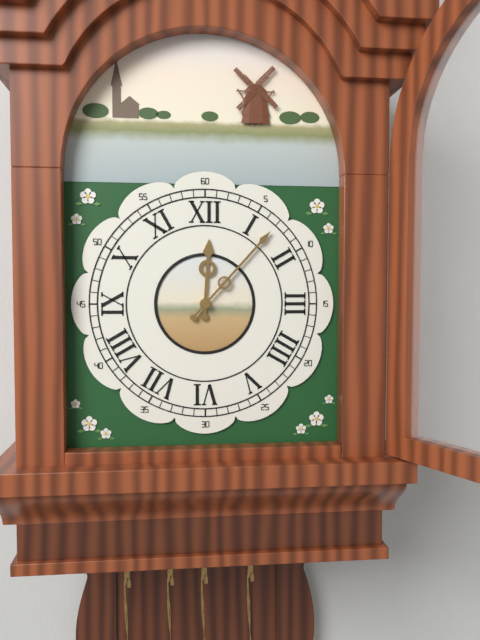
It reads 12,07
